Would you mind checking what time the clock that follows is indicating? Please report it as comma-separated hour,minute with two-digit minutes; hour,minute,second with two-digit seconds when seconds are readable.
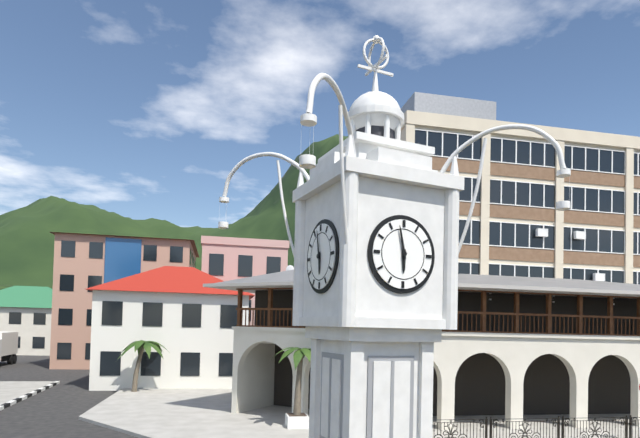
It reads 5,58
